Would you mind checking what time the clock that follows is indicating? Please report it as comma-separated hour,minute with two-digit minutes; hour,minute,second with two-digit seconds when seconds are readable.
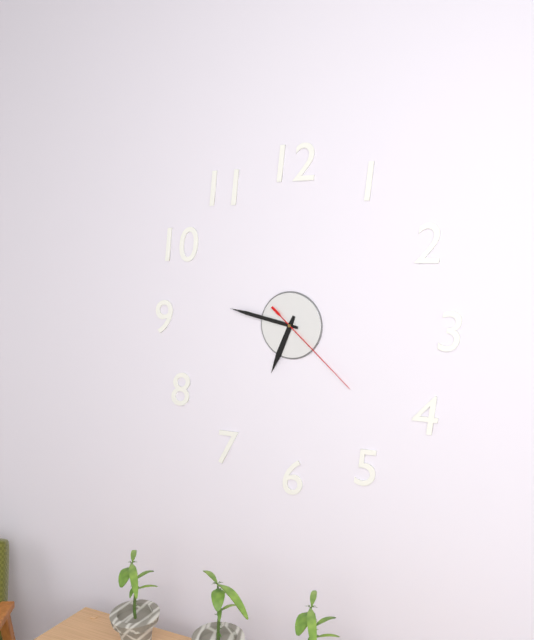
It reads 6,47,22
